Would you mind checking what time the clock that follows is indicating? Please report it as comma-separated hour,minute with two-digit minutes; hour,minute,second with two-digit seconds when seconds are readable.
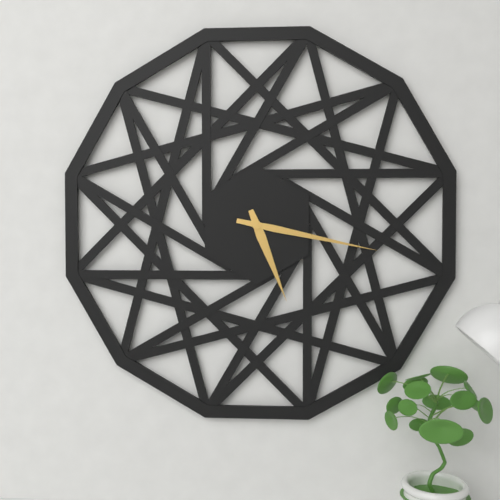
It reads 5,17
